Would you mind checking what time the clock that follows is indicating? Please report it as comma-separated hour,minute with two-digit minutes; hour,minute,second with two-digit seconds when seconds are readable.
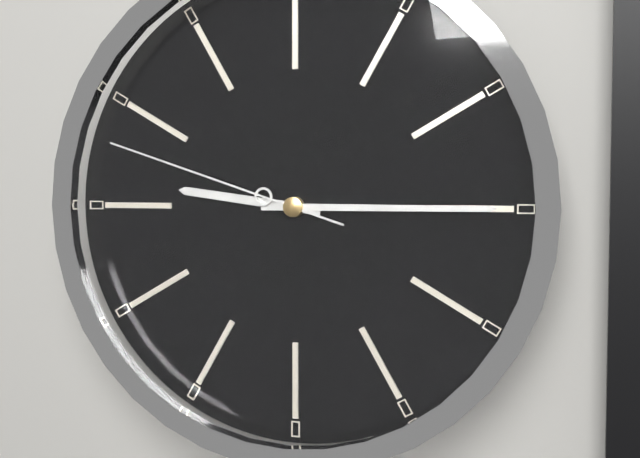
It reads 9,15,48
